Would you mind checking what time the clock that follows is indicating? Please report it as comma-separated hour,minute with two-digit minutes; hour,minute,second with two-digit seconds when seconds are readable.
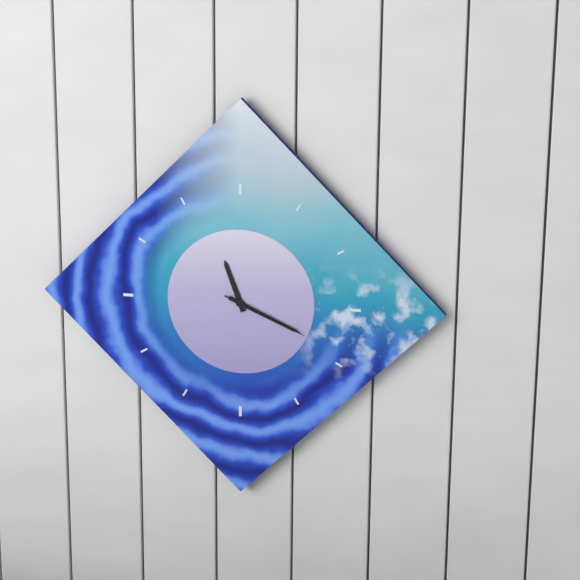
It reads 11,19,19
